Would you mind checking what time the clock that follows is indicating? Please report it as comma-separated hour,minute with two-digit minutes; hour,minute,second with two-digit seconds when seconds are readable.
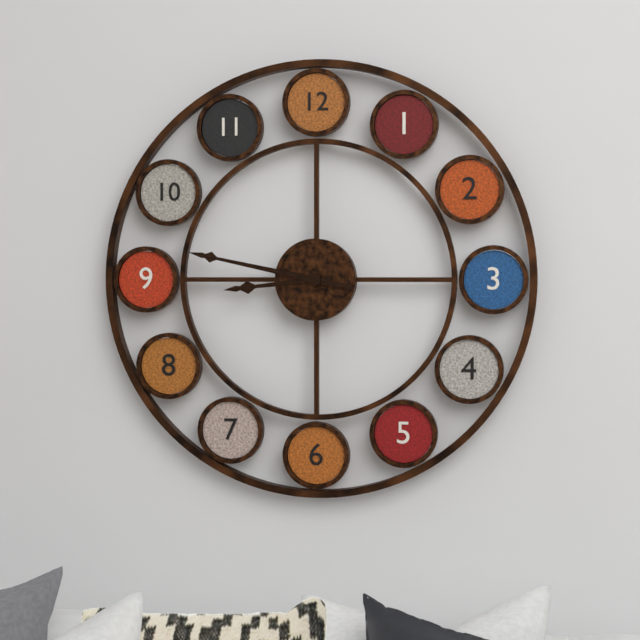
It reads 8,47
